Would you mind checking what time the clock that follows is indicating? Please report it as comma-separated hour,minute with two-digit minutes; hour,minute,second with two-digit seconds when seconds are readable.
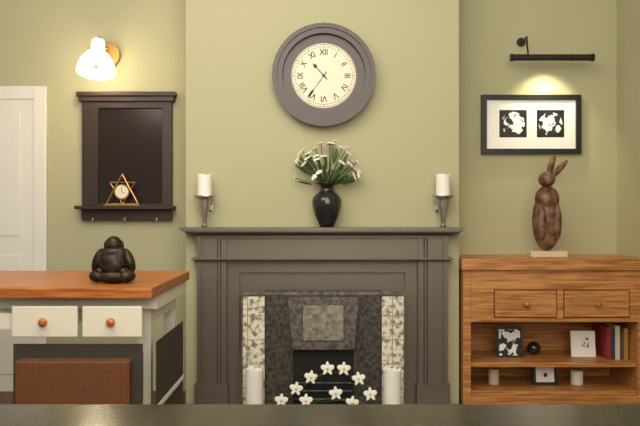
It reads 10,36
